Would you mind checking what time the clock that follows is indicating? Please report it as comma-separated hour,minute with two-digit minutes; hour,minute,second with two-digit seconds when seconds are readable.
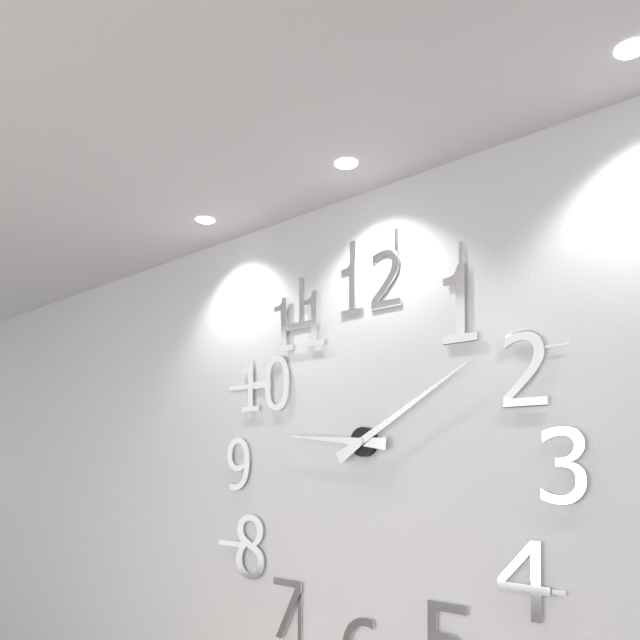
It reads 9,10
